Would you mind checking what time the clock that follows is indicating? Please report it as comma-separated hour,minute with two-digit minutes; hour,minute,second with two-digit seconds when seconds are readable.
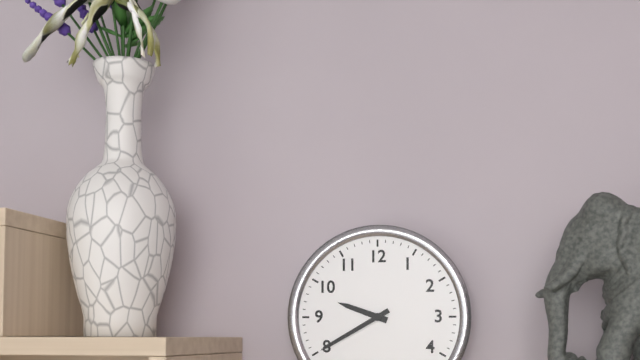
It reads 9,40
